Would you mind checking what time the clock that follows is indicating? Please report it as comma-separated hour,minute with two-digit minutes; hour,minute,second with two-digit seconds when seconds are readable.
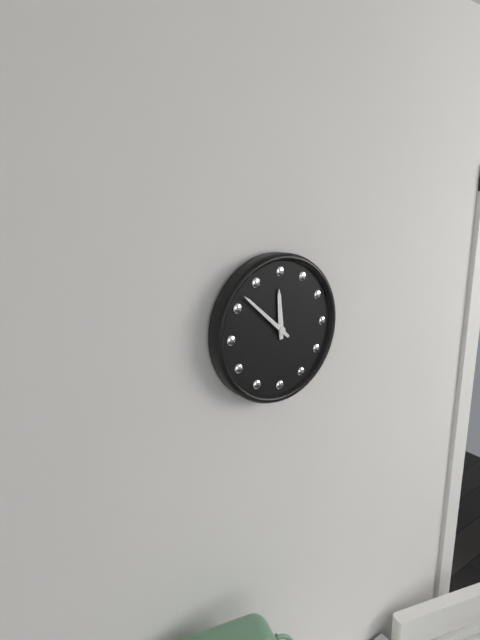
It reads 11,52
